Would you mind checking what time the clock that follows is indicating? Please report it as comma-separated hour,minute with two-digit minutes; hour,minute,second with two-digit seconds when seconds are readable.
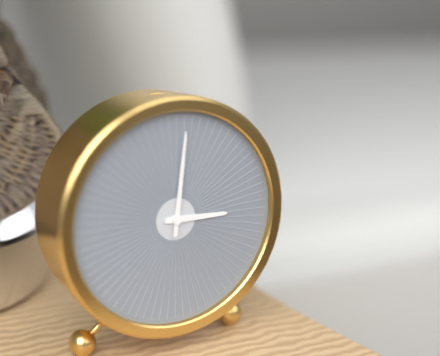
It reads 3,01
